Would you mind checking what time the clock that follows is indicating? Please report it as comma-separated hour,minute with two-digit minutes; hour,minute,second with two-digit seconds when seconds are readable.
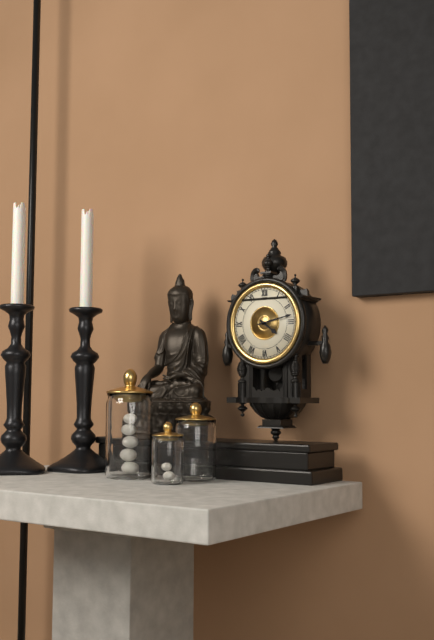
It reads 4,13
